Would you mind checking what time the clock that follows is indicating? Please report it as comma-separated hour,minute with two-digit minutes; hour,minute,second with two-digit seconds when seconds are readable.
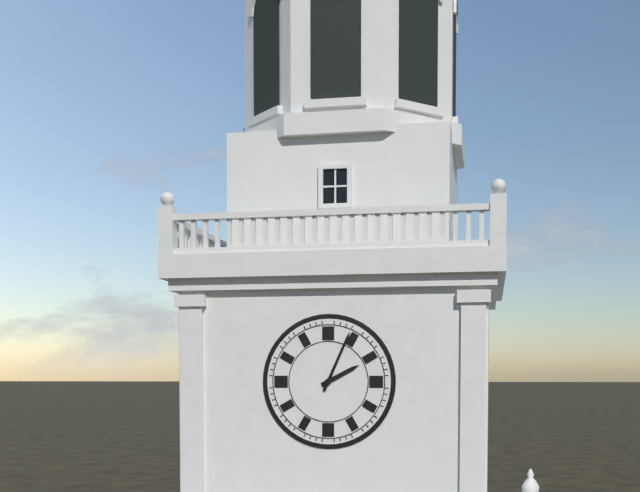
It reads 2,04
